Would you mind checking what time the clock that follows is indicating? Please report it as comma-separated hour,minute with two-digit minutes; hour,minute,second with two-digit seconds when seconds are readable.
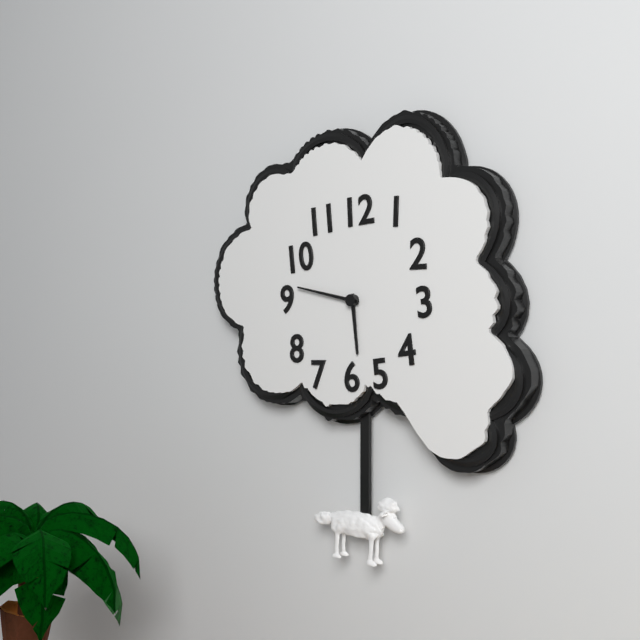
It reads 5,47
